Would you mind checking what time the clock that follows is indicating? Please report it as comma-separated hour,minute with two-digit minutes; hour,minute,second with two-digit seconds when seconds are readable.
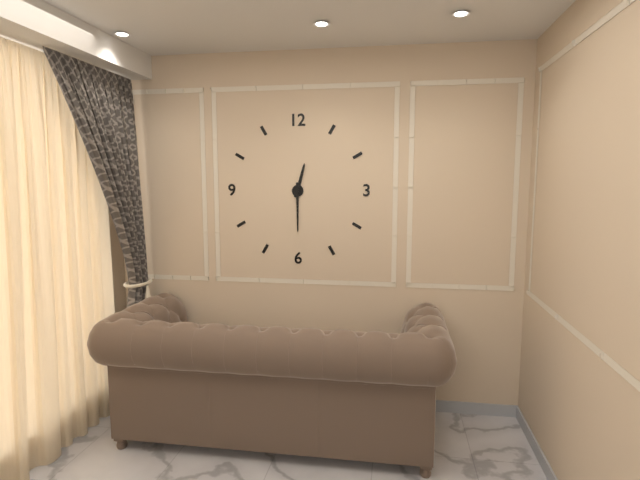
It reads 12,30
